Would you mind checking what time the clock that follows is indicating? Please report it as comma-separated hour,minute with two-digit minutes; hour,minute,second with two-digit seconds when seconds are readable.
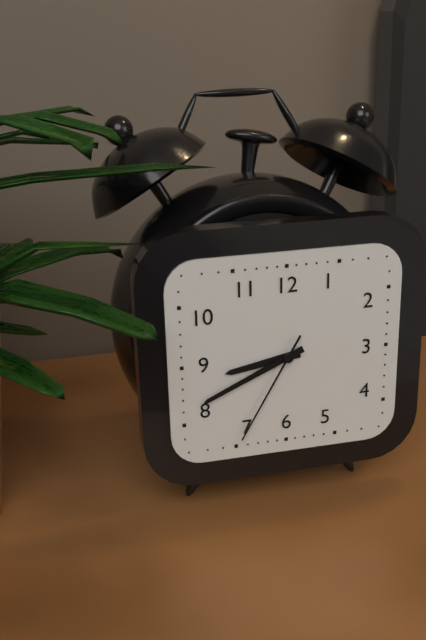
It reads 8,41,35
